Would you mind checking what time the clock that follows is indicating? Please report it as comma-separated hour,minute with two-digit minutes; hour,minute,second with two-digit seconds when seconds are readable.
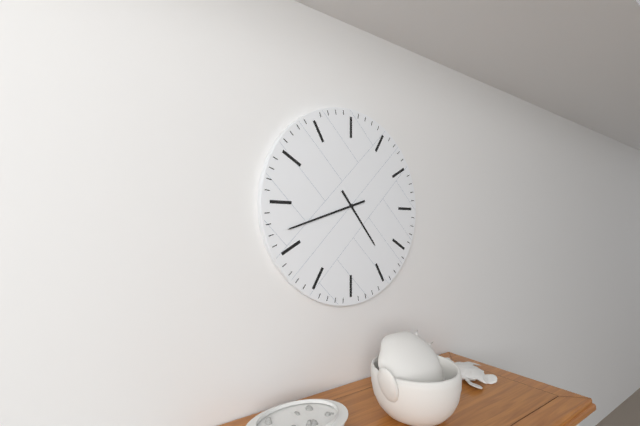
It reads 4,42
